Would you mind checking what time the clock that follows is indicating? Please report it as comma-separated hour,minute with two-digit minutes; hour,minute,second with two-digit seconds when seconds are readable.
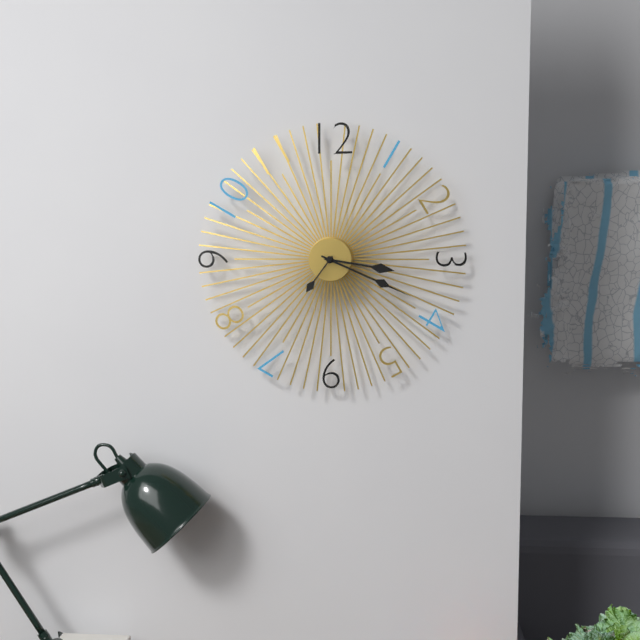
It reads 3,19,36
